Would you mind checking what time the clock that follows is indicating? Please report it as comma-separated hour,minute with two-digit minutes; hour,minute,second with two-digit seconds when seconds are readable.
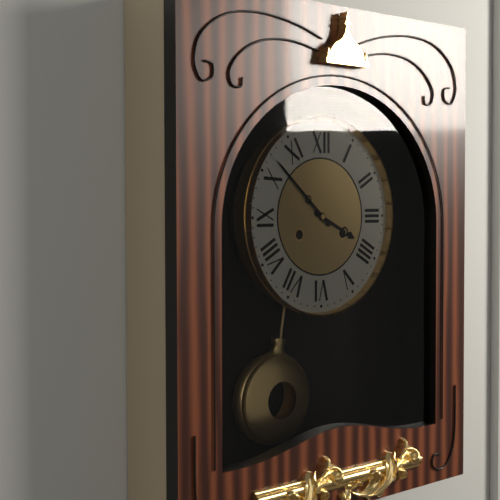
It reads 3,52
